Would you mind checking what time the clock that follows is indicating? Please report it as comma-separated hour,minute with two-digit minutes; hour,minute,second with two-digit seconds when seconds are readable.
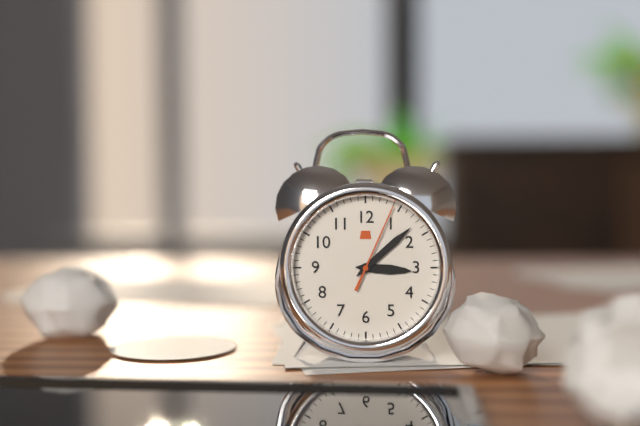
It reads 3,08,04
